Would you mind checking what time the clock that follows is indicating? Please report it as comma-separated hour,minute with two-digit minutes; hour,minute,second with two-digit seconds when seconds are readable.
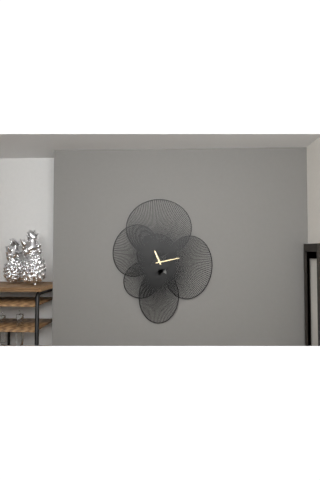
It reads 11,13
